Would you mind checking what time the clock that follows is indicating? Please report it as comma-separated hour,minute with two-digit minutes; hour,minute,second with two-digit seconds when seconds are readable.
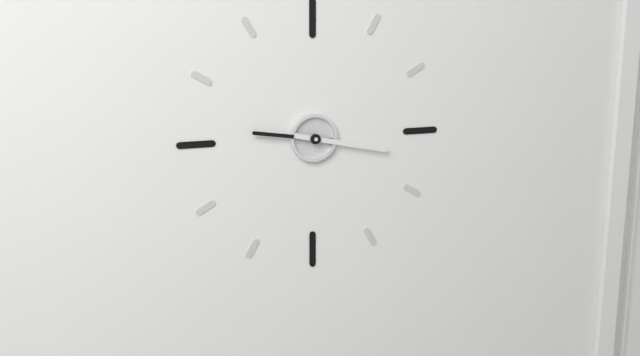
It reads 9,17
